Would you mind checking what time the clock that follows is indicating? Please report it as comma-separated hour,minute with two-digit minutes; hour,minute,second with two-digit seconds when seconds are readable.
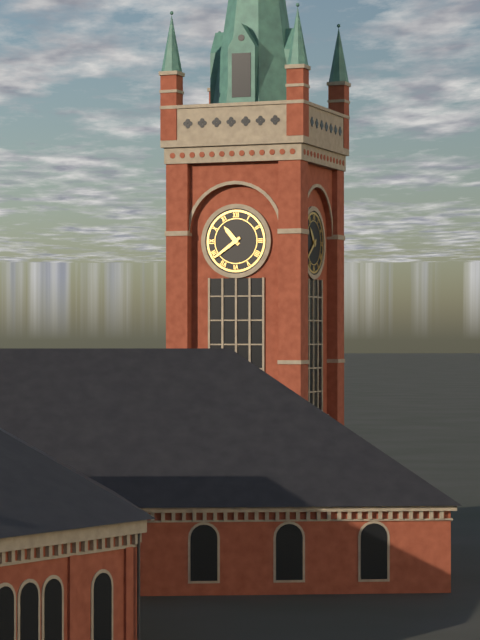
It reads 10,39
